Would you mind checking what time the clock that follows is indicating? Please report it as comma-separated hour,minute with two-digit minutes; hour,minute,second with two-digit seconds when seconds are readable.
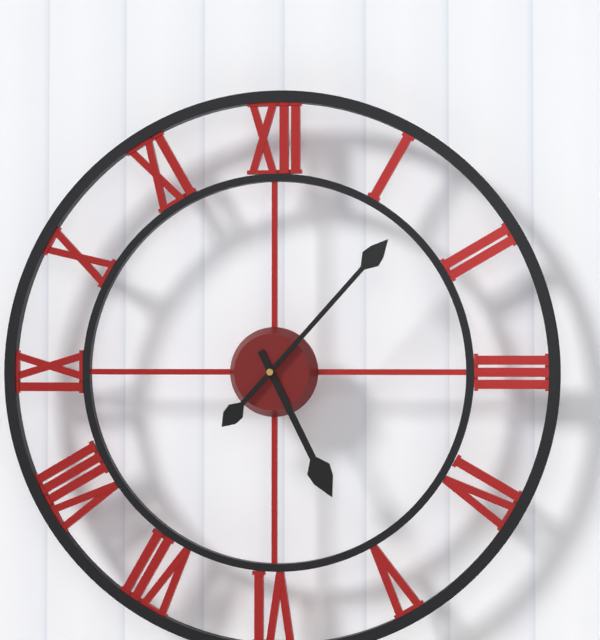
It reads 5,07
